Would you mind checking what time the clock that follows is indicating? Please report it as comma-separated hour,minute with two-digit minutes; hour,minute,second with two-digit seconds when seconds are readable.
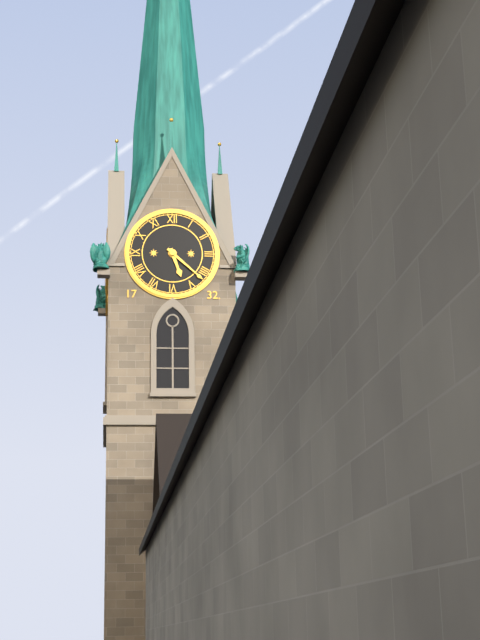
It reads 5,22
